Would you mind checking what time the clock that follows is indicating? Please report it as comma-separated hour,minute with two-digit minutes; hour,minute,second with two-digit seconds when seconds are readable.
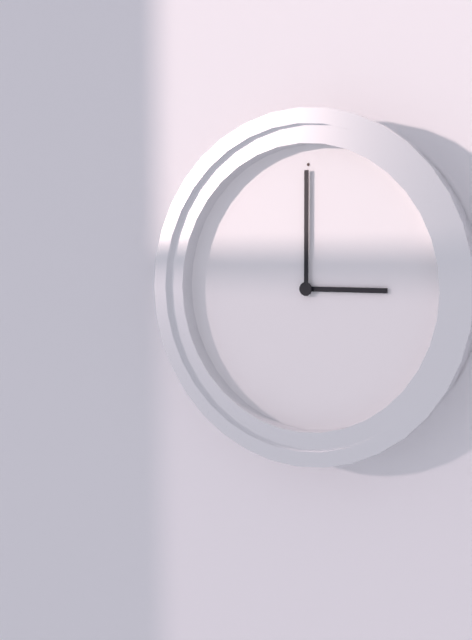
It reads 3,00
